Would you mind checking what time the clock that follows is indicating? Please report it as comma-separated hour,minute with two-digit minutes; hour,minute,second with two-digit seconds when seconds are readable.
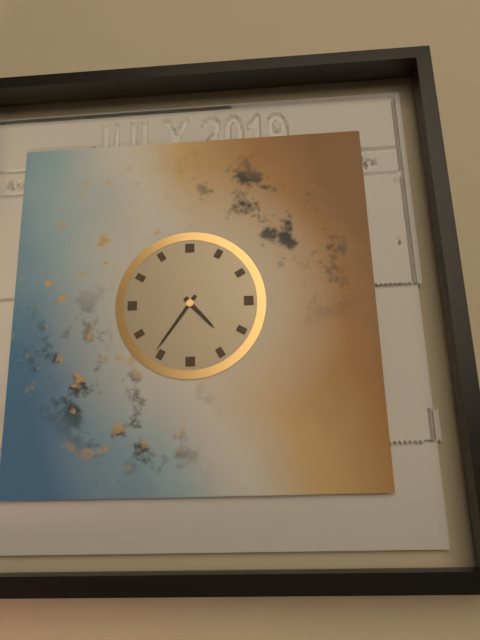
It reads 4,36
